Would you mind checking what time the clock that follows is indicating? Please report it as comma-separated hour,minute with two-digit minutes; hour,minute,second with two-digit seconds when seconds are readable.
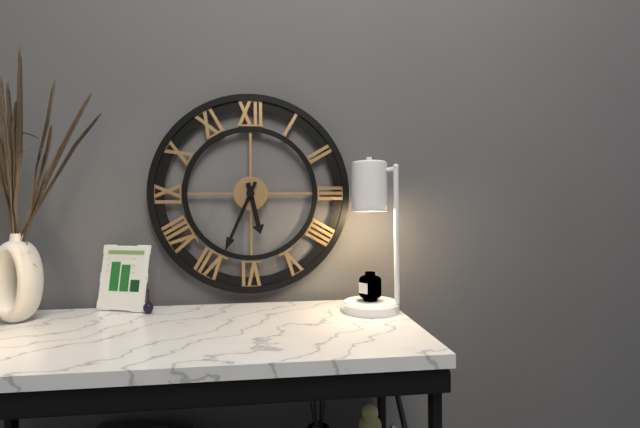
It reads 5,34
